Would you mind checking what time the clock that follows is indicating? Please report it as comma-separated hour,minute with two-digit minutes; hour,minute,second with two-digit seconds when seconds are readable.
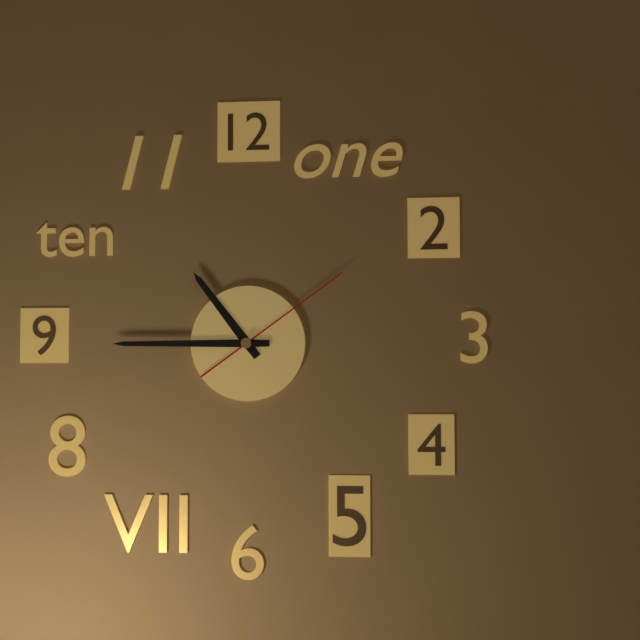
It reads 10,45,09
